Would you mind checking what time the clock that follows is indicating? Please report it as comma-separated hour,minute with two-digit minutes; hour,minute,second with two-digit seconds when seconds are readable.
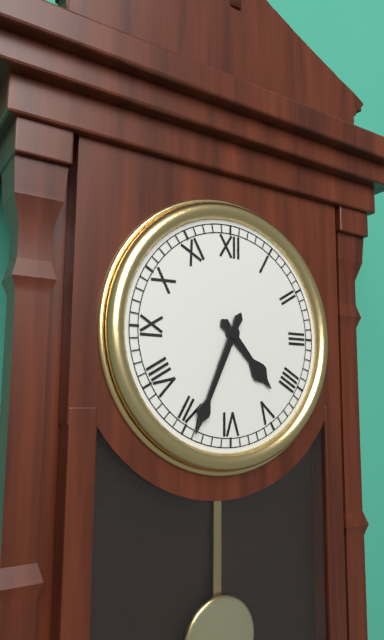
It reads 4,34
